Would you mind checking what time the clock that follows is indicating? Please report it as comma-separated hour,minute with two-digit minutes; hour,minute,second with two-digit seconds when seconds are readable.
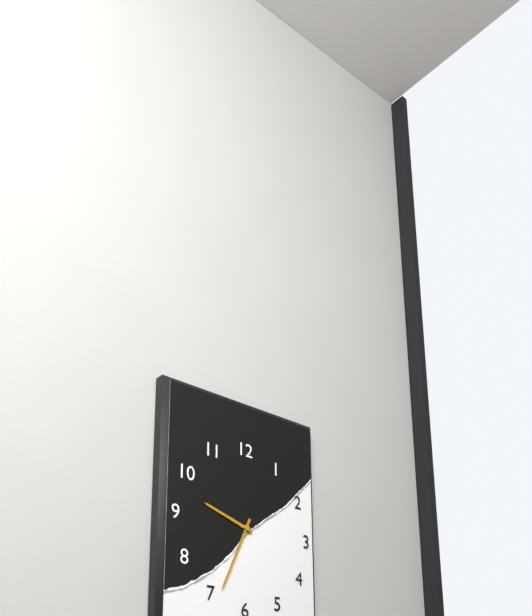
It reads 9,34
